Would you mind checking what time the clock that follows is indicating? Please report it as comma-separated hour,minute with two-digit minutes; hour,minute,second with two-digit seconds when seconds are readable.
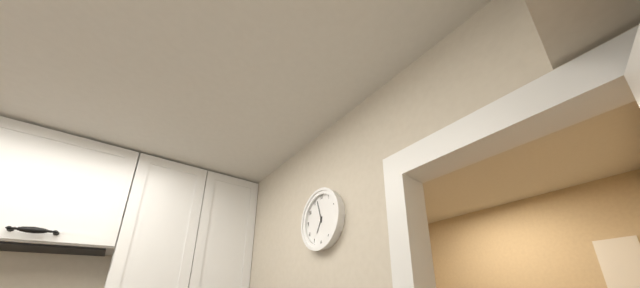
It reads 6,57
